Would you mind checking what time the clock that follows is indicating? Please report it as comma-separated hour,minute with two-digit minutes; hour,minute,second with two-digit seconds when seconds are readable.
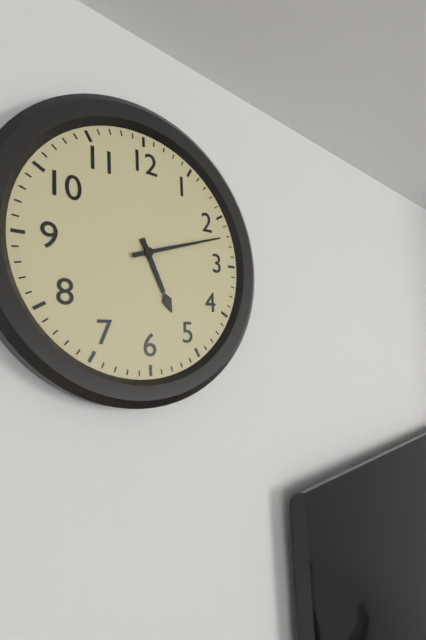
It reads 5,12
